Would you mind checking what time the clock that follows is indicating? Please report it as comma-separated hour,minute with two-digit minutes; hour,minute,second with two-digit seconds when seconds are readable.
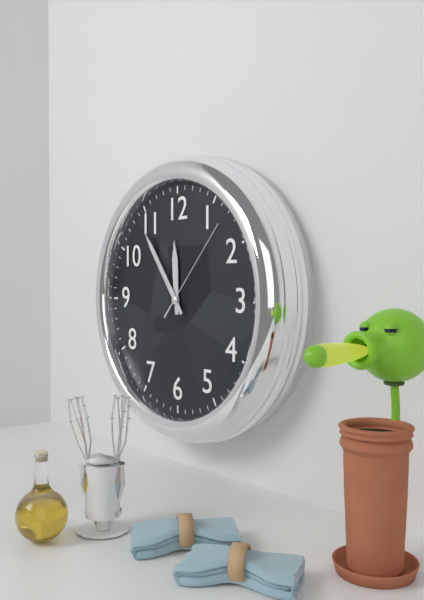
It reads 11,54,07
